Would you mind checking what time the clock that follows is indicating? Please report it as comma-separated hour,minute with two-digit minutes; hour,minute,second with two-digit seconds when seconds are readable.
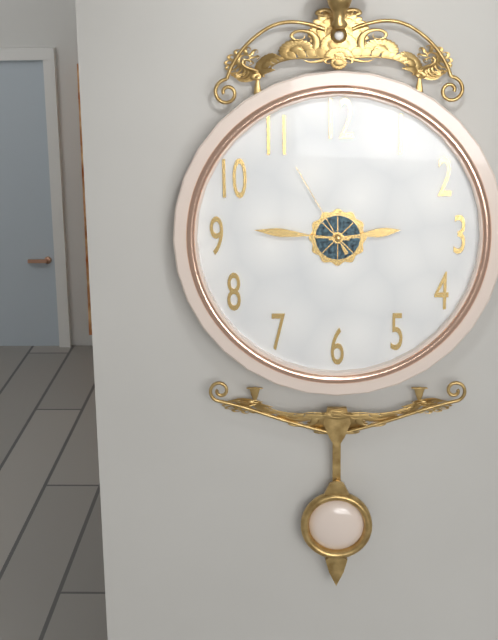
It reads 2,46,55
